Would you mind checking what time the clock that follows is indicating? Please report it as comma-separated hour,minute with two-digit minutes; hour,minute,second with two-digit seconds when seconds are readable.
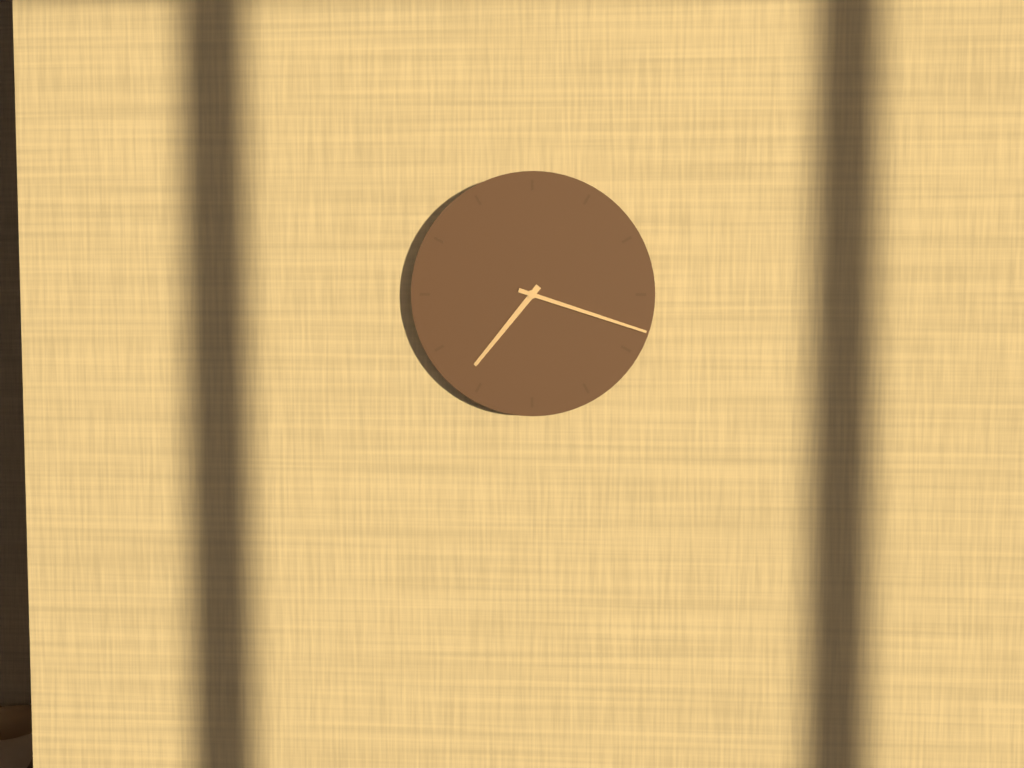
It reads 7,18
